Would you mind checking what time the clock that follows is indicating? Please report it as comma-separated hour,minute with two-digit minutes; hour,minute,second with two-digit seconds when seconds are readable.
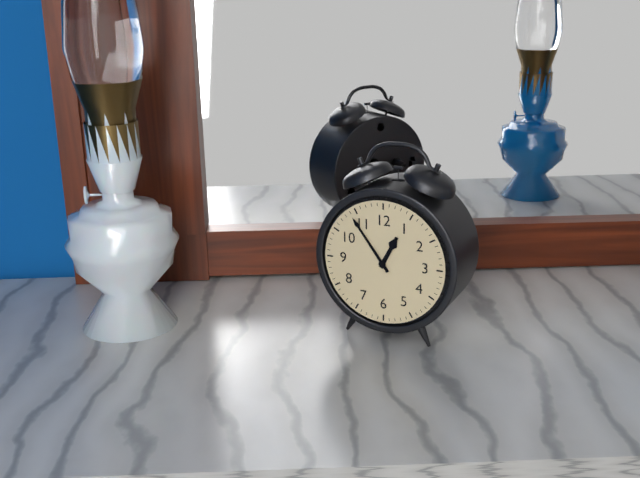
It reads 12,54
